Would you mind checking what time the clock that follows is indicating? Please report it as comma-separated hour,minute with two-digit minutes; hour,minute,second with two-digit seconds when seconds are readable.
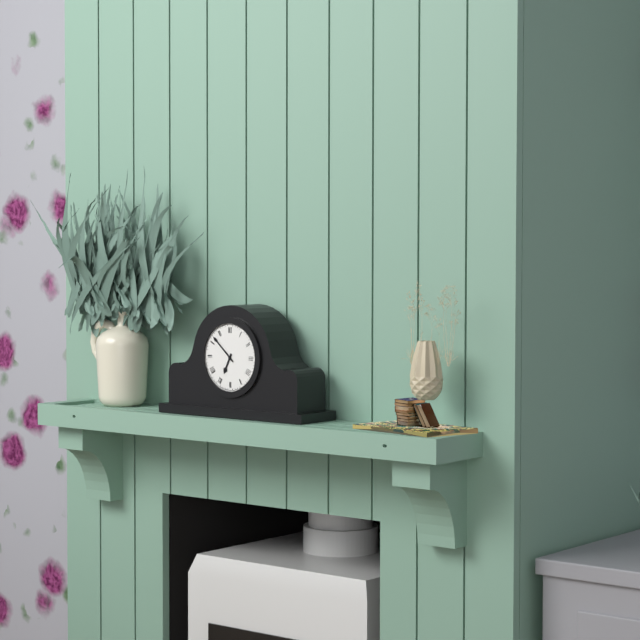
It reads 6,52
